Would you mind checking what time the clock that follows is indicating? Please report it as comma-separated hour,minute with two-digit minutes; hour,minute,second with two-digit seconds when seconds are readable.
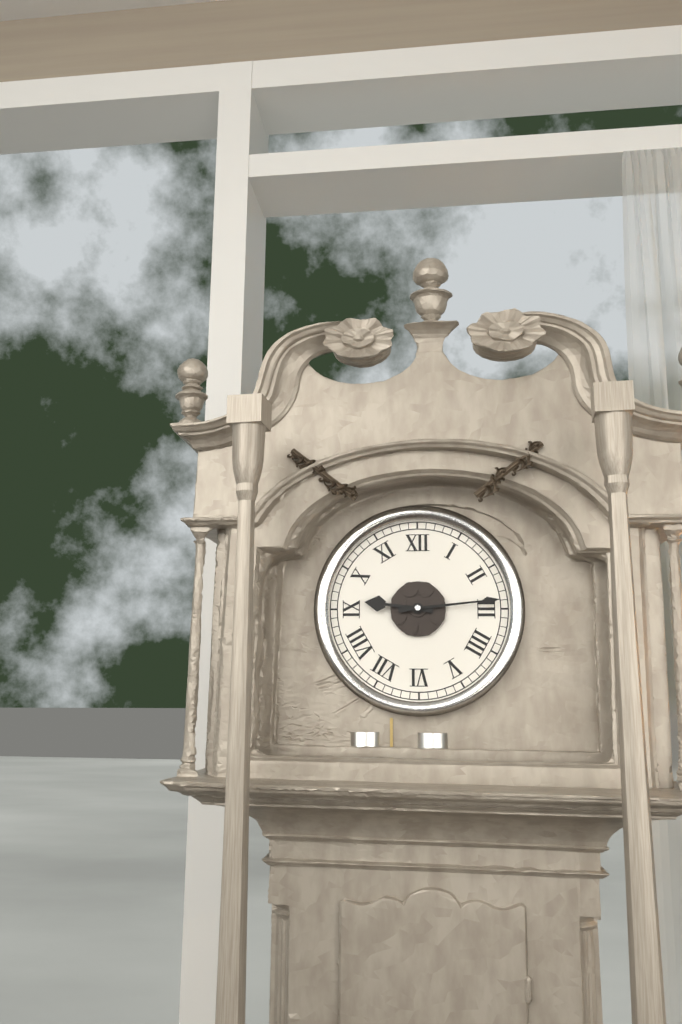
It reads 9,14
